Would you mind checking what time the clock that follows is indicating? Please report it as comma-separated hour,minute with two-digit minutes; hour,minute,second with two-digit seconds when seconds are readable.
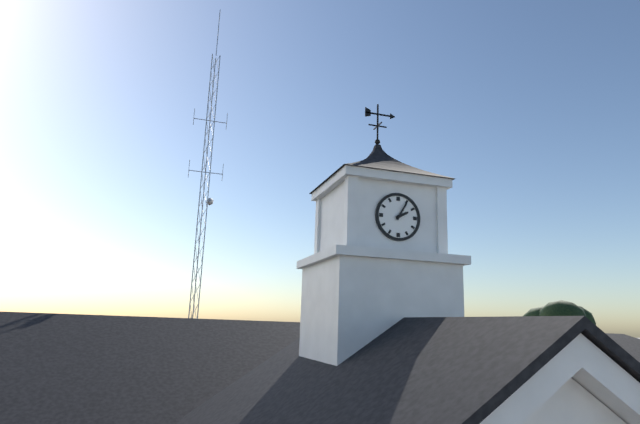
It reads 2,05
